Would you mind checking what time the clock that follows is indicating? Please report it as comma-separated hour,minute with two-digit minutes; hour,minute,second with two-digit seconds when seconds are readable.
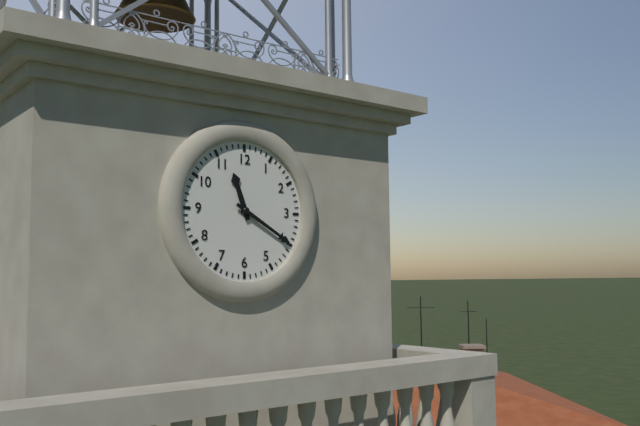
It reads 11,20
